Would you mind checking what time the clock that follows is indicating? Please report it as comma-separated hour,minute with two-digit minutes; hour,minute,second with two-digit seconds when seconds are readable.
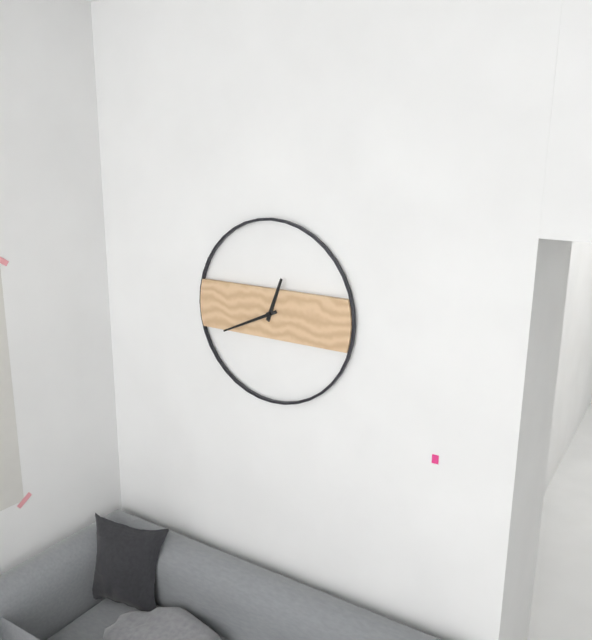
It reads 12,41
